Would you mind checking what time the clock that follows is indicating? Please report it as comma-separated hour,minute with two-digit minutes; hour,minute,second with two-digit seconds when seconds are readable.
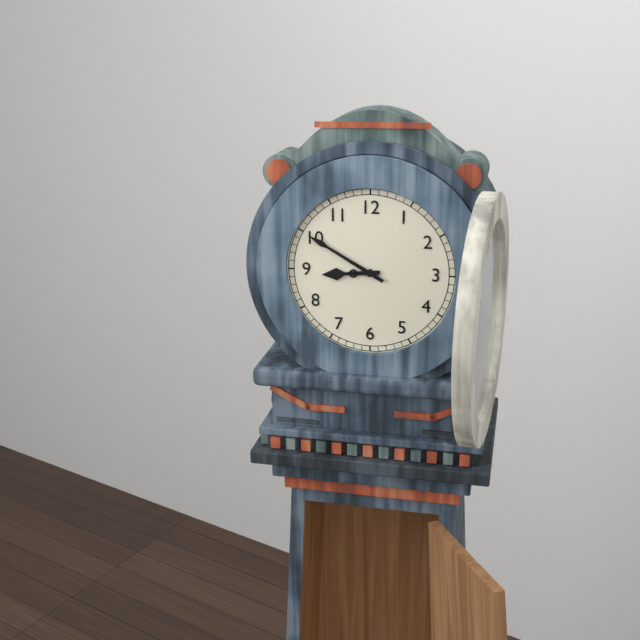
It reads 8,50
